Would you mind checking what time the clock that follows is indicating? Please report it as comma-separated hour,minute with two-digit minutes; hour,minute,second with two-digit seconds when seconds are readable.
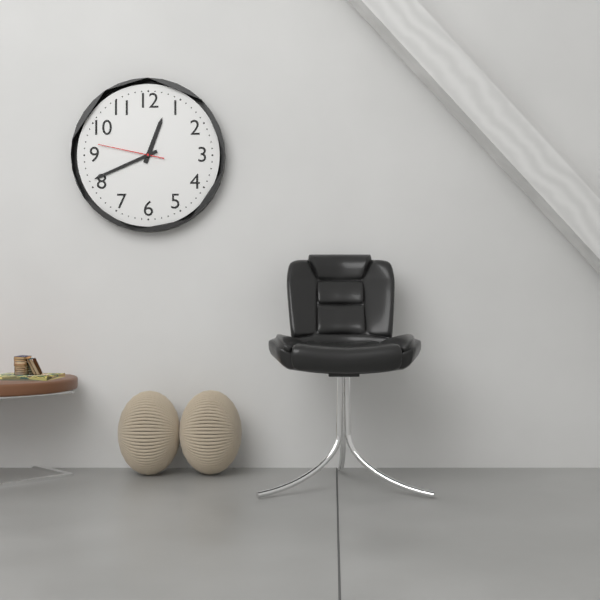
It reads 12,41,47
